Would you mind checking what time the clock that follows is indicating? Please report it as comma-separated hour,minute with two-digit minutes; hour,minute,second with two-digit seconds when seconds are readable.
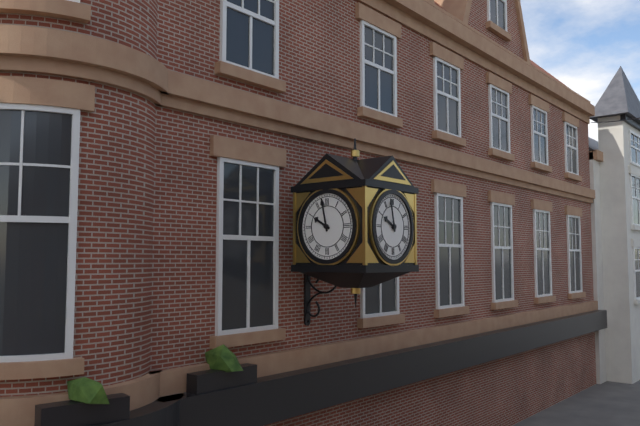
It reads 9,58
